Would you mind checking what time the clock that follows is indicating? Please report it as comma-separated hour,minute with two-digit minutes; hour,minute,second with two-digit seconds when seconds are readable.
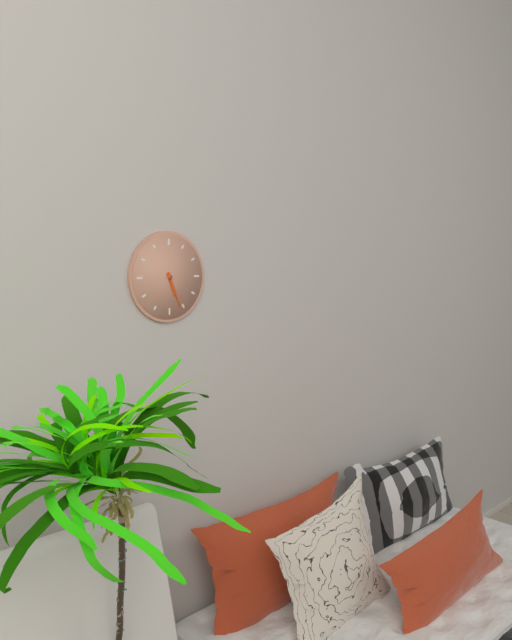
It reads 5,26
